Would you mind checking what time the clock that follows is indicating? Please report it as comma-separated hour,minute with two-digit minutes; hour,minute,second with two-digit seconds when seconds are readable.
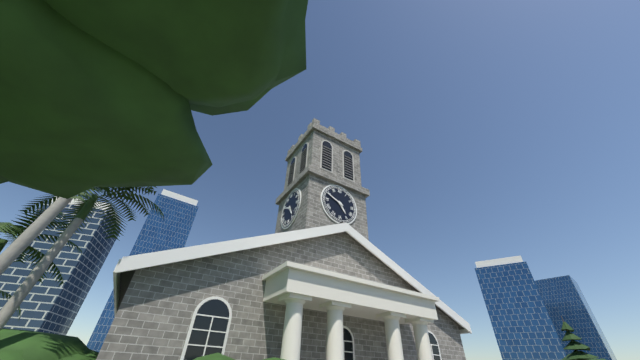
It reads 4,49
